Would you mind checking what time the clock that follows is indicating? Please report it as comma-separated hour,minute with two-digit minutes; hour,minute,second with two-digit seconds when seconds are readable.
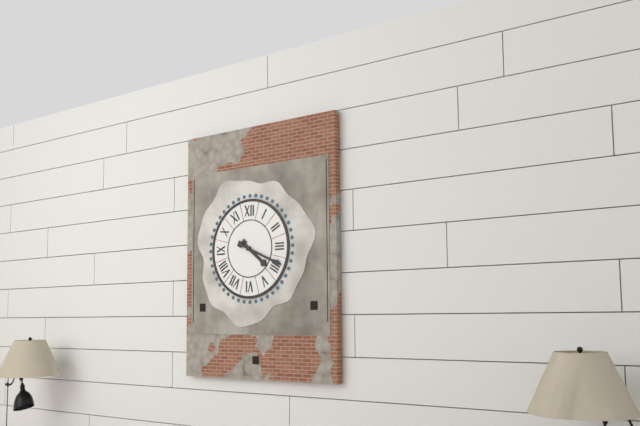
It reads 4,19
